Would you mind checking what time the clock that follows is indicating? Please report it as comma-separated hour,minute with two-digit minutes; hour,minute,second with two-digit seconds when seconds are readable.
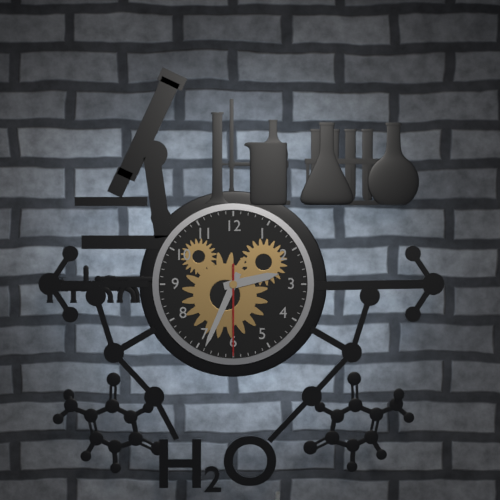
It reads 2,34,30
